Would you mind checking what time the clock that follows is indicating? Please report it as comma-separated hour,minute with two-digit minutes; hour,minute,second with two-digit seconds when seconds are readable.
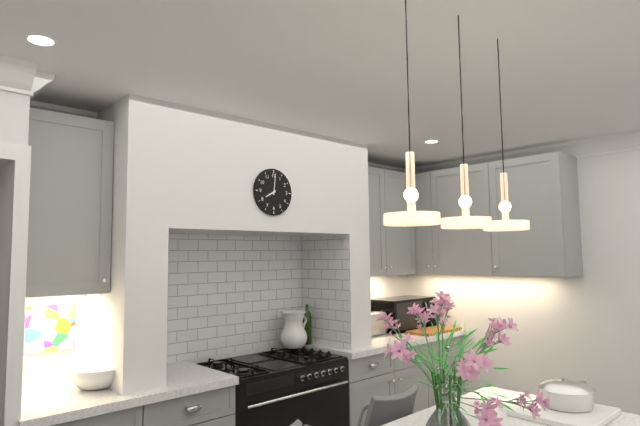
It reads 8,01
